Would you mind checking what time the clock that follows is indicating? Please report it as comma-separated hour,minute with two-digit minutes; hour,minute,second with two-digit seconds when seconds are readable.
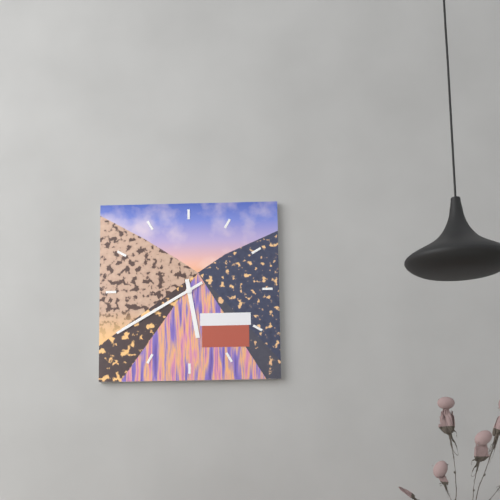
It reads 5,40
